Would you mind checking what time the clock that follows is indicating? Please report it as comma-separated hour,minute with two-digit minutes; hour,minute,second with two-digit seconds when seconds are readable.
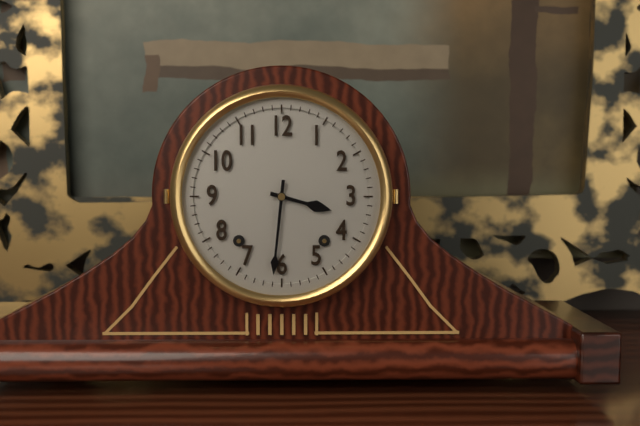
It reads 3,31
